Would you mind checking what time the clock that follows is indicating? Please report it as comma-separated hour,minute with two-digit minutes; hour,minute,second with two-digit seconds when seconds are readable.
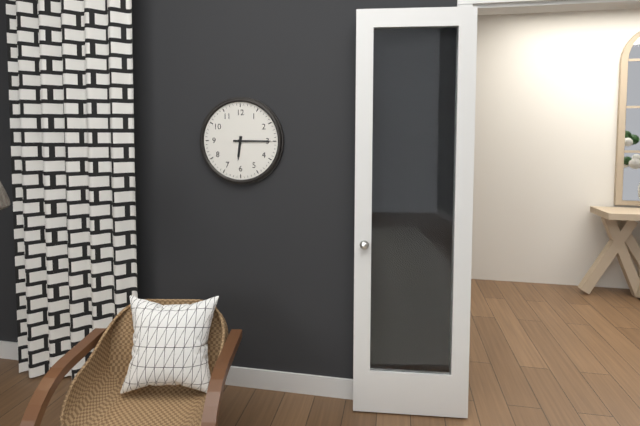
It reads 6,15
